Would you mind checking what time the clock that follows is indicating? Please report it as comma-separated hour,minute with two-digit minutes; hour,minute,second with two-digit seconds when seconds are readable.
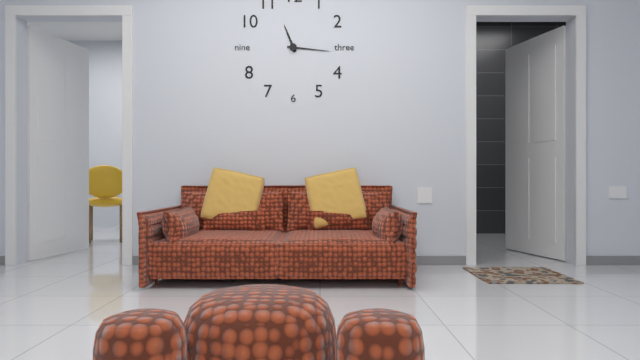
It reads 11,16
